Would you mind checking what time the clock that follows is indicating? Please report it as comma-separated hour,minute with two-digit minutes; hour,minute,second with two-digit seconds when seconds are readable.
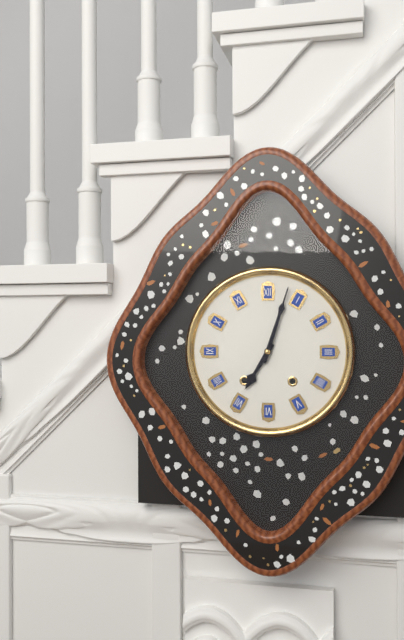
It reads 7,03
